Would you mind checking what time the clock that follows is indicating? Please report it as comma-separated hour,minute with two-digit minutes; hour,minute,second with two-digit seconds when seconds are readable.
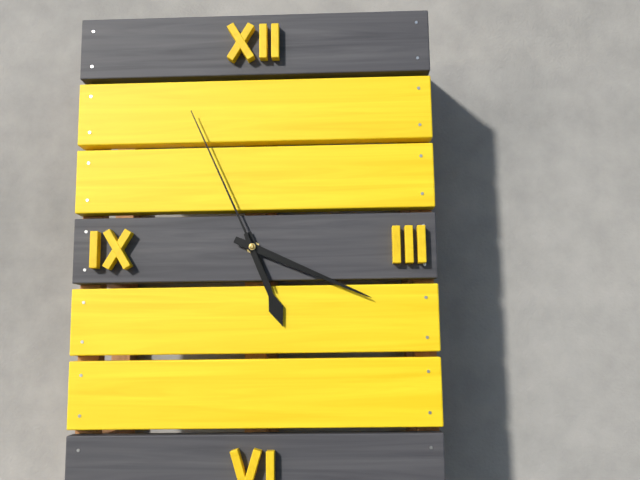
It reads 5,19,56
